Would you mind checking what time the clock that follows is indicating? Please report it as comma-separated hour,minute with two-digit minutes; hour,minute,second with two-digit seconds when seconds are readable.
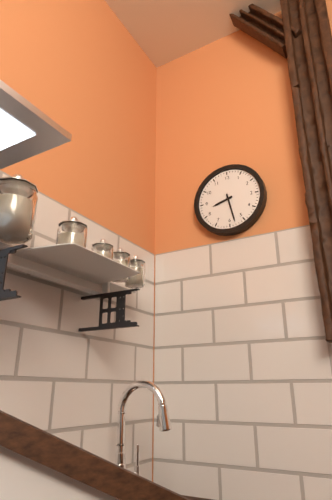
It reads 8,28
